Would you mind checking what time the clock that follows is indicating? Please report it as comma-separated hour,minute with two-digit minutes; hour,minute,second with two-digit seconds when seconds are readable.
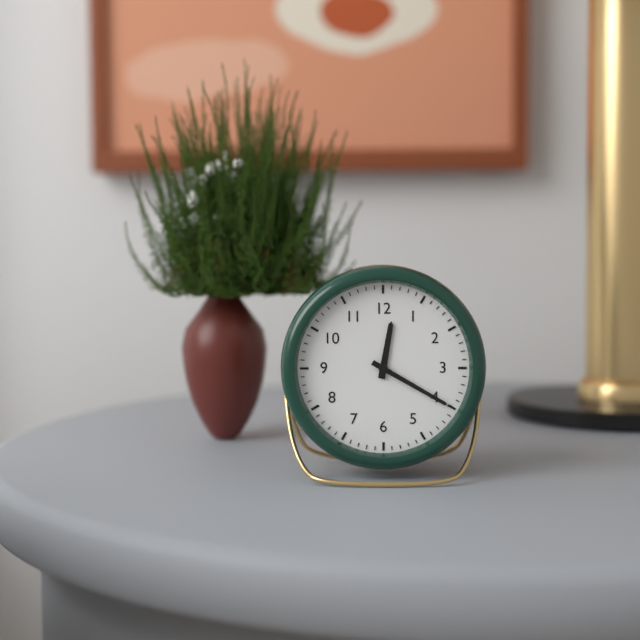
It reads 12,20
